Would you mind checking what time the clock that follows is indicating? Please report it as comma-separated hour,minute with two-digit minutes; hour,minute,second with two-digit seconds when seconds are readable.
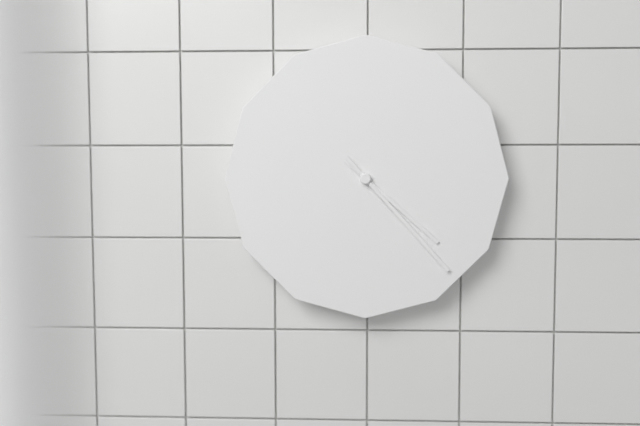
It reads 4,23
